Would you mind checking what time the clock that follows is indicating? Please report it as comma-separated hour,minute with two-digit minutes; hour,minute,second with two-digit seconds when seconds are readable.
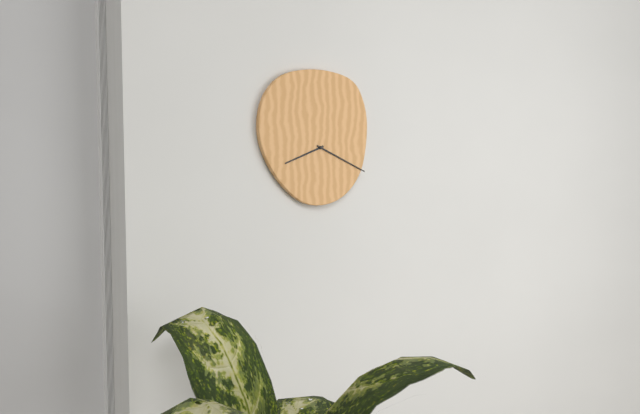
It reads 8,19
